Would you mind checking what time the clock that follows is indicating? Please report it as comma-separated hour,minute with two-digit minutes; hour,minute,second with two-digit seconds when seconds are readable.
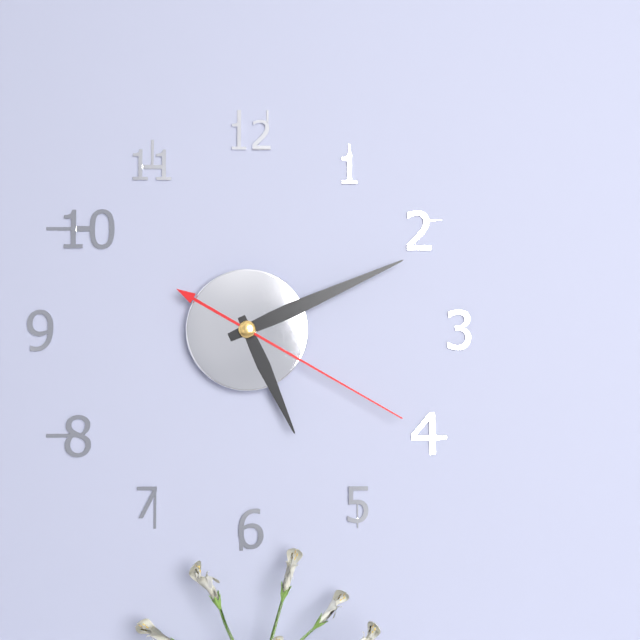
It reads 5,11,20
